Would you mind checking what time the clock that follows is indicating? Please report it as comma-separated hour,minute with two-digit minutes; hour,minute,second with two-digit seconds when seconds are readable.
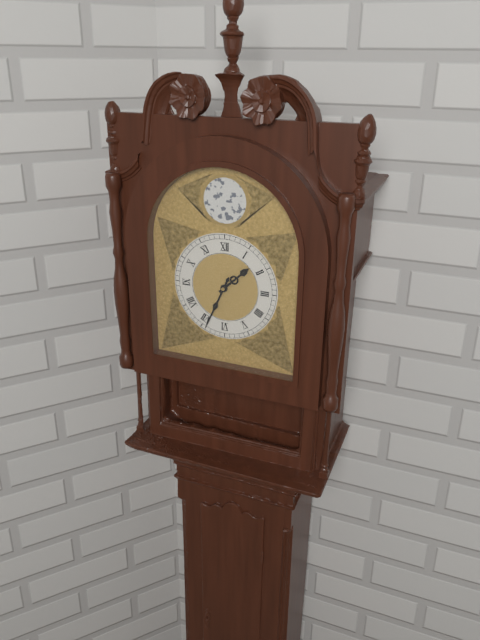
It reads 1,34
